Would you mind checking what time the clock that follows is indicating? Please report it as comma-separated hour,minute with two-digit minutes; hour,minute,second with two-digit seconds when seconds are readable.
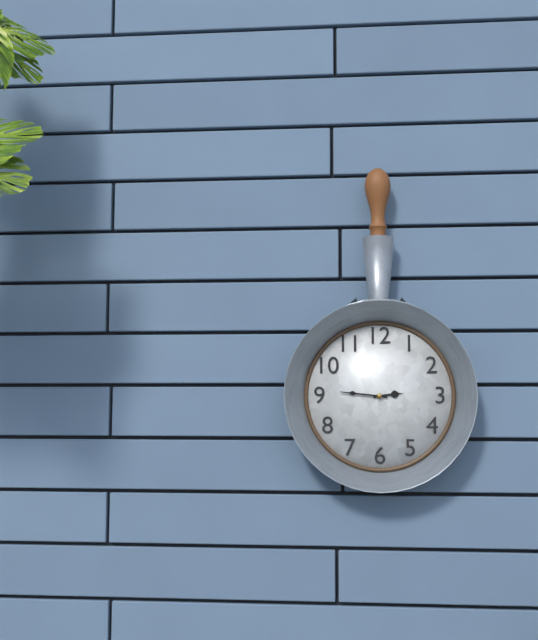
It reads 2,46
